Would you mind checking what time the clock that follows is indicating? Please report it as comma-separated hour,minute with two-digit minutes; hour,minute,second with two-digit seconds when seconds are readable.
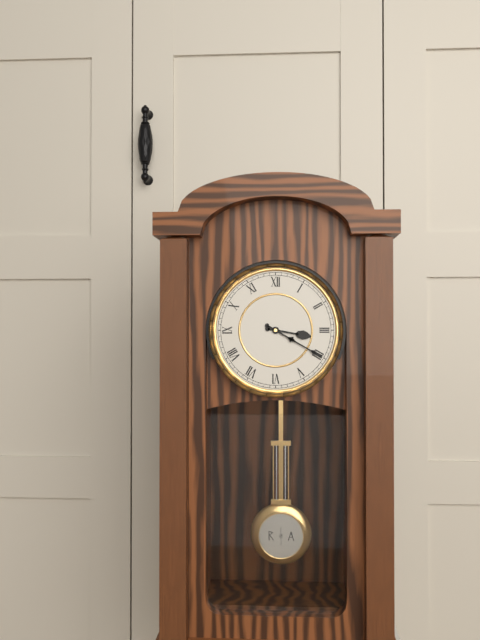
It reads 3,20
